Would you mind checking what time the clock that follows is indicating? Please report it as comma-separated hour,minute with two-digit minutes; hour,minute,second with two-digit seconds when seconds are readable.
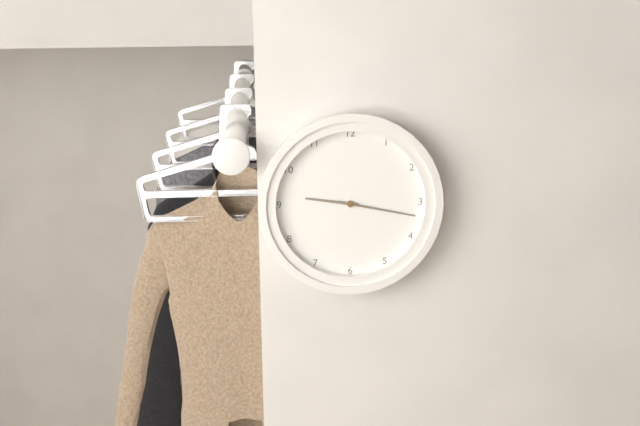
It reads 9,17
